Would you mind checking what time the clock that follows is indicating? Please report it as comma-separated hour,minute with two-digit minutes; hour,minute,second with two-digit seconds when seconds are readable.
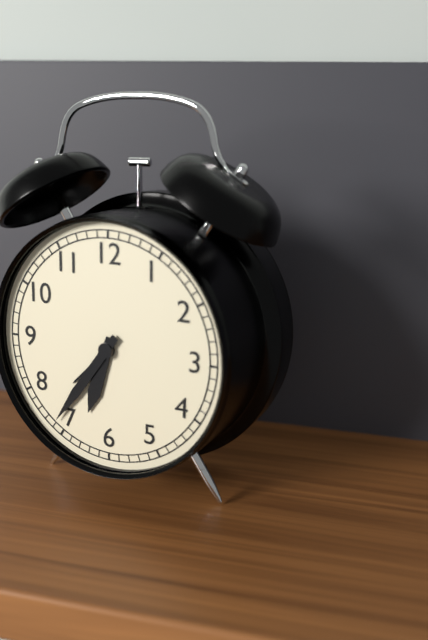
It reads 6,36
